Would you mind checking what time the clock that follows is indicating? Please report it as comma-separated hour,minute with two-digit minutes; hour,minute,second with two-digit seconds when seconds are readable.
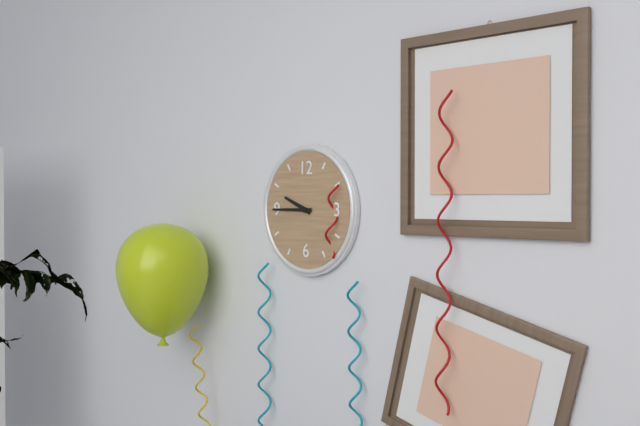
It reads 9,45
